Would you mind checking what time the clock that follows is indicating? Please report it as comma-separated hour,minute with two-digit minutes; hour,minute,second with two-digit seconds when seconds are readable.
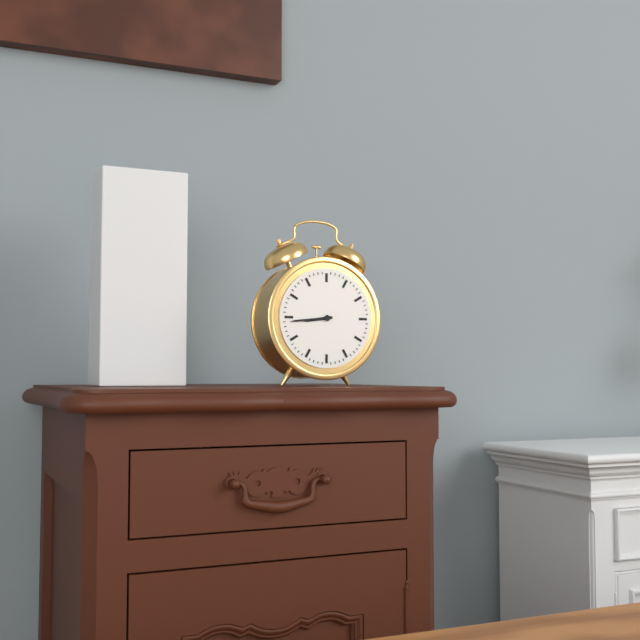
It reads 8,44
